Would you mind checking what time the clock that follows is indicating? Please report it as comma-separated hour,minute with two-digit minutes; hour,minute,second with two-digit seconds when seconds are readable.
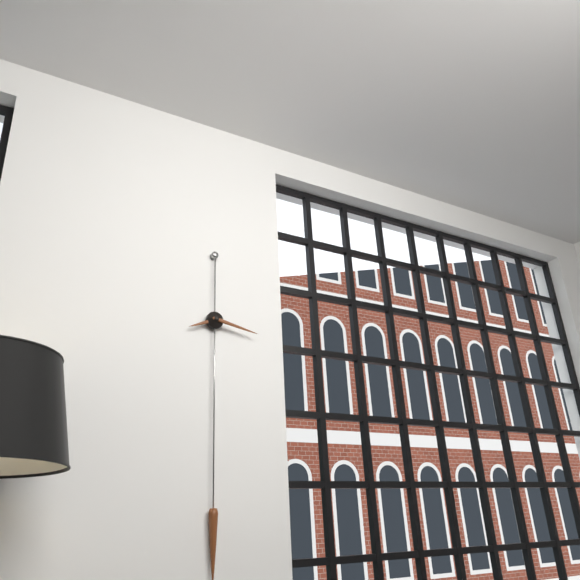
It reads 8,17
